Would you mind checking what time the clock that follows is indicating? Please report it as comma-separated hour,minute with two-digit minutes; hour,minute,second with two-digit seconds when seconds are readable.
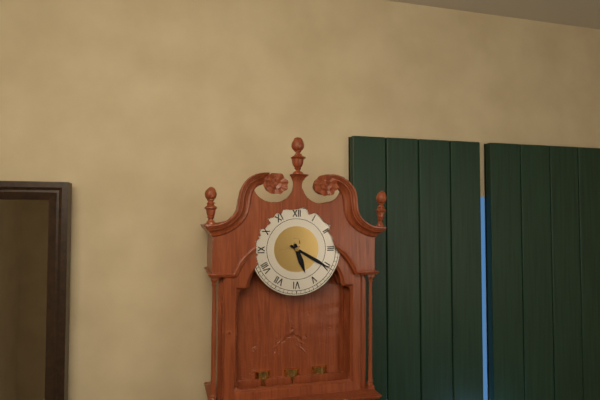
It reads 5,20
